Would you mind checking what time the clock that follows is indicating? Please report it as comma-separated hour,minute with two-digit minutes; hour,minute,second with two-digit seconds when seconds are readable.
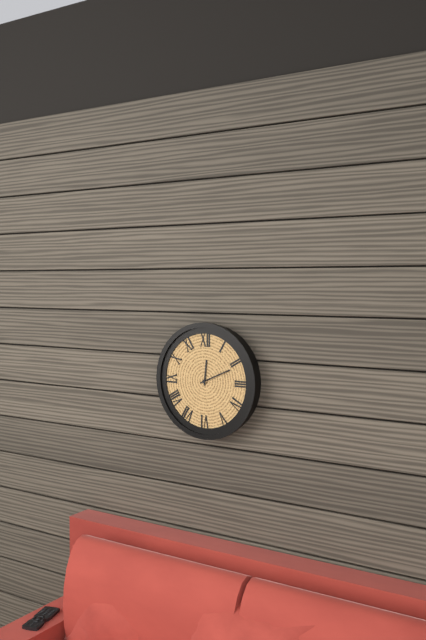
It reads 12,11
